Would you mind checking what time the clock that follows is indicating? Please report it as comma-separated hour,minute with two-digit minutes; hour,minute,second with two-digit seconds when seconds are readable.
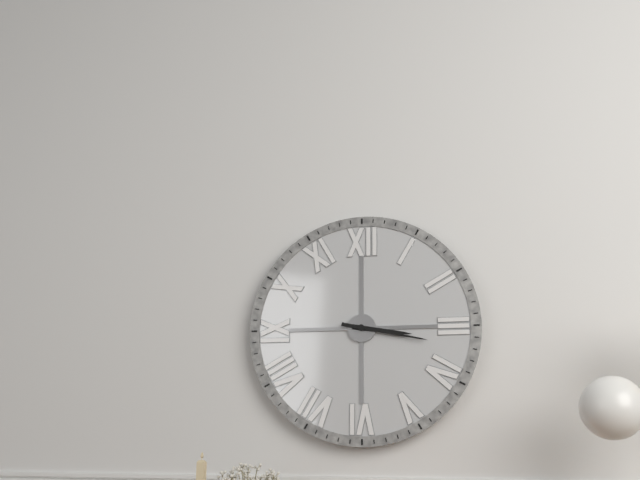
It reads 3,17
